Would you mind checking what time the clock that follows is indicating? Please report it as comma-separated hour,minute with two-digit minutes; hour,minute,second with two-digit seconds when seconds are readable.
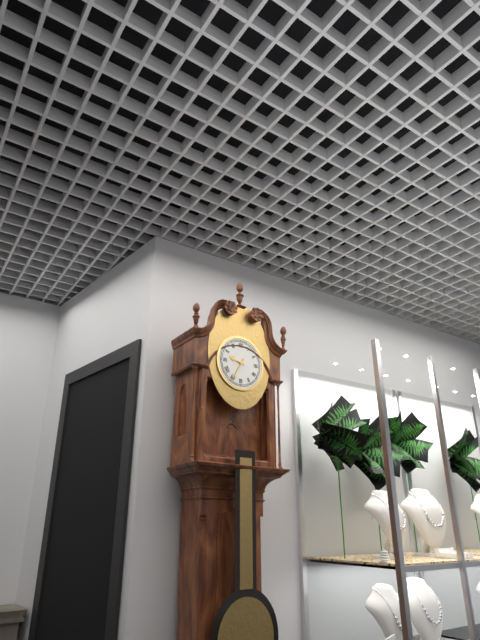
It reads 9,35
